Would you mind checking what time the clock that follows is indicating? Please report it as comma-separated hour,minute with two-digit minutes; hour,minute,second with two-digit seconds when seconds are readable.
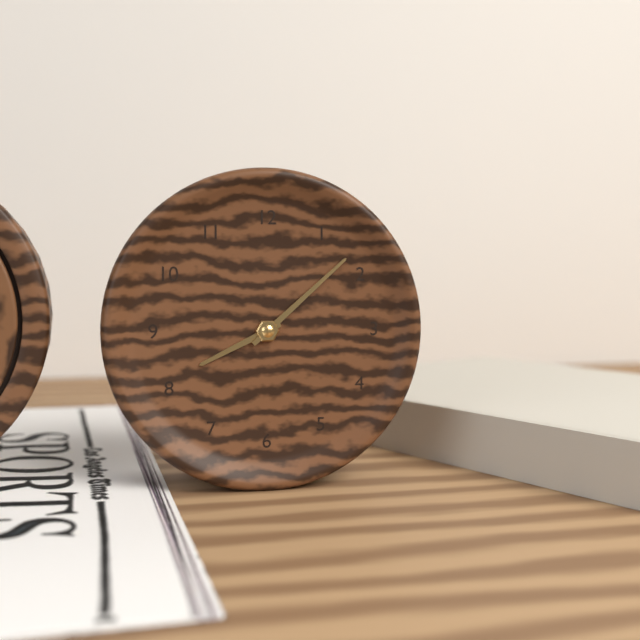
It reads 8,08
